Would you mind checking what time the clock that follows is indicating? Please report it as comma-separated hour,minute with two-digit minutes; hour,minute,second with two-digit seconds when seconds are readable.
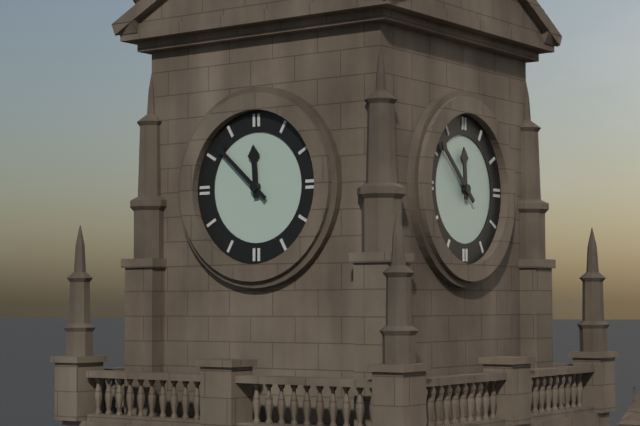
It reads 11,52
